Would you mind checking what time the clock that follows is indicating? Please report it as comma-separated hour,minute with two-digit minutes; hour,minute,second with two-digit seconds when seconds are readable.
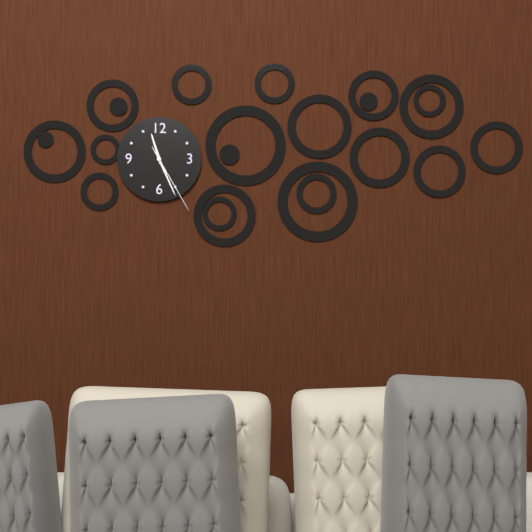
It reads 11,26,25
